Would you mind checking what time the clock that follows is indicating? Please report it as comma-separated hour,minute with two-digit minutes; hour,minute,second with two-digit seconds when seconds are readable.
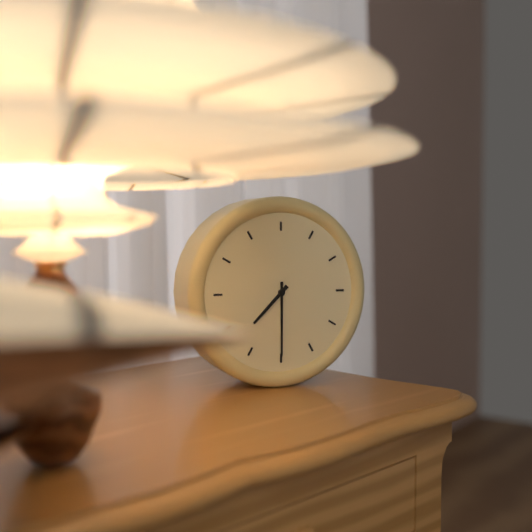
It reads 7,30
